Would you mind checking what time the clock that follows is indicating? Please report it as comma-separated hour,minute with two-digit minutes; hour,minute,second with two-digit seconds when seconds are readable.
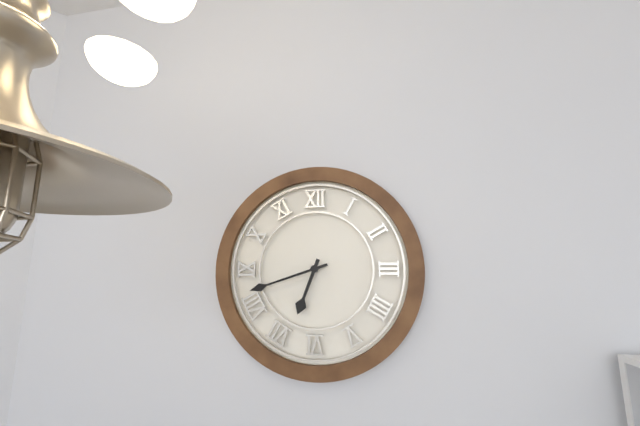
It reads 6,42
